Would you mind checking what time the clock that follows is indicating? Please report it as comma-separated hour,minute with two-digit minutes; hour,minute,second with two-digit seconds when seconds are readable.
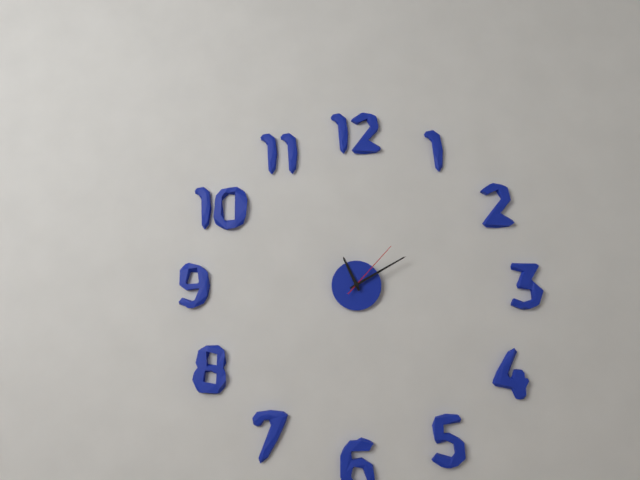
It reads 11,10,07
